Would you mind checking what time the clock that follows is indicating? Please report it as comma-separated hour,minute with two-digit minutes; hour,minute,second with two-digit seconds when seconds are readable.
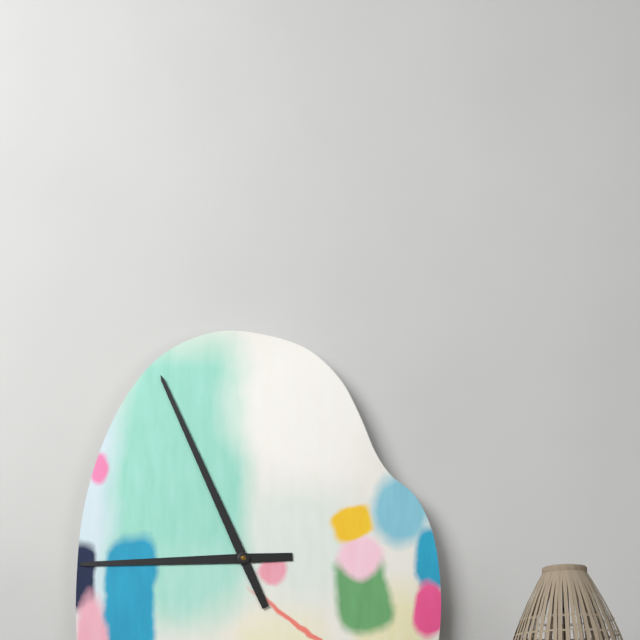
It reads 8,56
